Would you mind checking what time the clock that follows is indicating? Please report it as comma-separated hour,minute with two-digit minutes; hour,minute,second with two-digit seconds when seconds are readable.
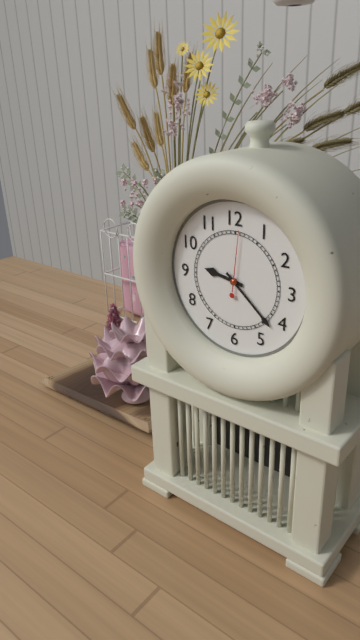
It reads 9,22,01
